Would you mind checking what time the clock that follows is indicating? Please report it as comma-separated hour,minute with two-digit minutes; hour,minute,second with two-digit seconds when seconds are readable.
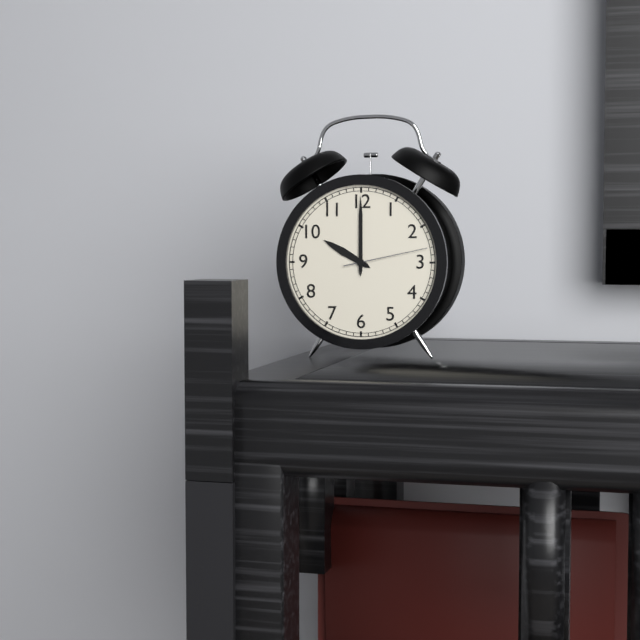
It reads 10,00,13
